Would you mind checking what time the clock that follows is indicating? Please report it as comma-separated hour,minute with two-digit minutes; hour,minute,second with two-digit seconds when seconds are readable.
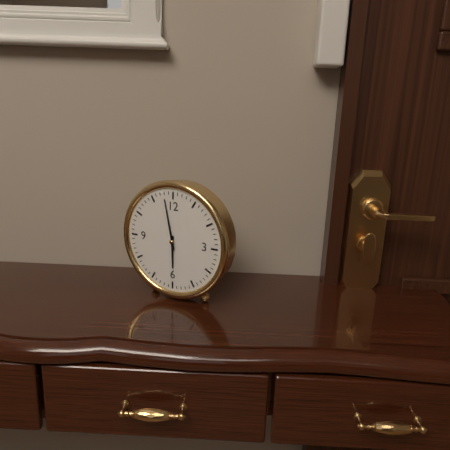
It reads 5,58
